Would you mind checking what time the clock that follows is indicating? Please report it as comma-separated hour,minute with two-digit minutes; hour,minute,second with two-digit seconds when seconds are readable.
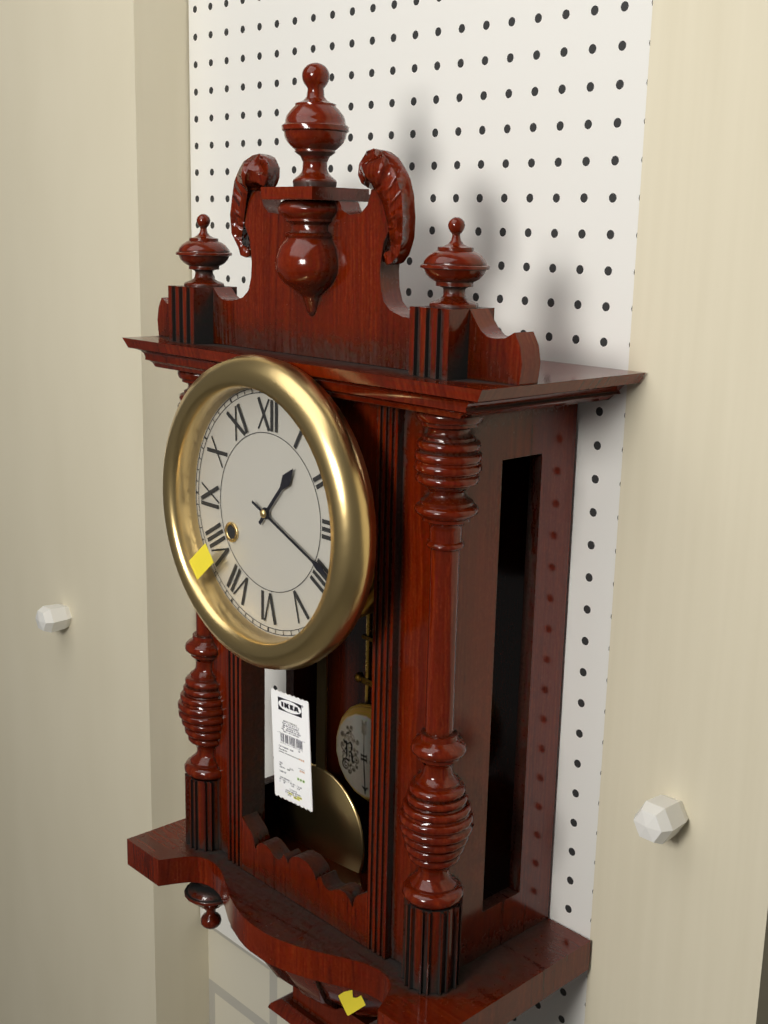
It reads 1,19
